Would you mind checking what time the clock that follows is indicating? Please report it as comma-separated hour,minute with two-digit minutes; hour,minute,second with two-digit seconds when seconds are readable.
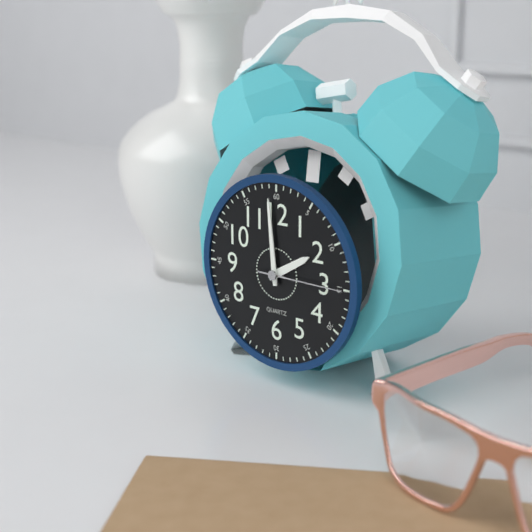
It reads 1,59,15
